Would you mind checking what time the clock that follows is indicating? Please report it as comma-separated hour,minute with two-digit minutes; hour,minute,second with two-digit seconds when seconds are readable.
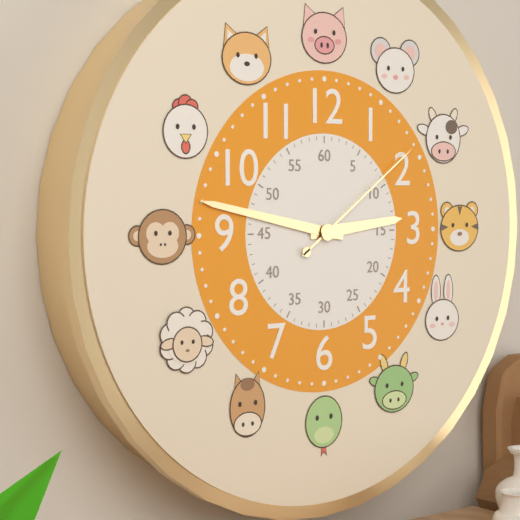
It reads 2,47,09
